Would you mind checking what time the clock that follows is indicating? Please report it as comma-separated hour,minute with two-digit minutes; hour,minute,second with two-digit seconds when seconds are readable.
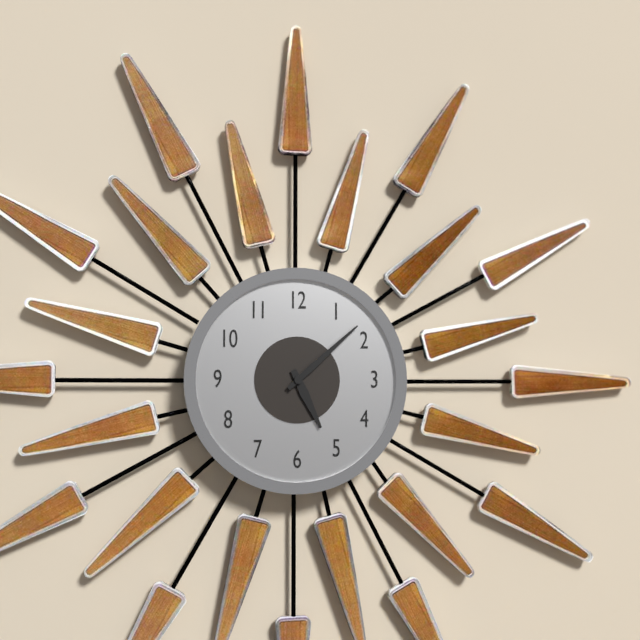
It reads 5,08
